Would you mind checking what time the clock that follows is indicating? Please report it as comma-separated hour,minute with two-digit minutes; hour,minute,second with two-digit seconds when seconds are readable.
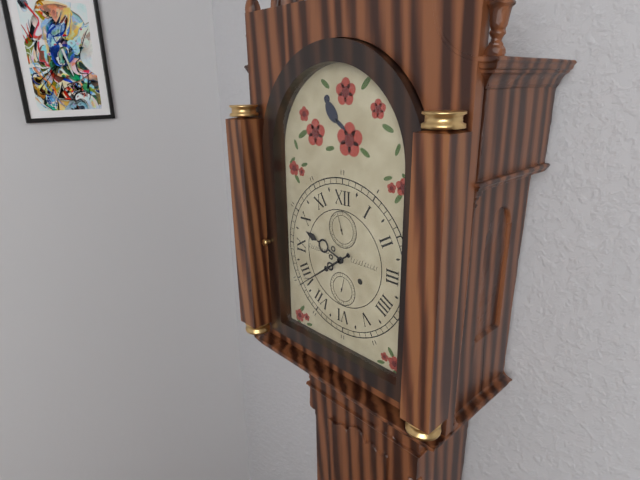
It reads 9,39
